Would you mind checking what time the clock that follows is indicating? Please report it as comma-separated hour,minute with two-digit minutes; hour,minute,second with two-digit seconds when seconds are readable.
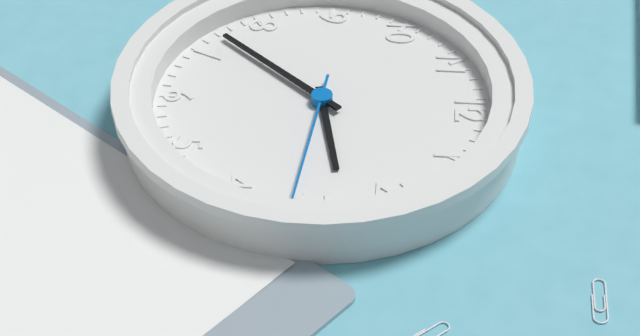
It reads 2,37,16
